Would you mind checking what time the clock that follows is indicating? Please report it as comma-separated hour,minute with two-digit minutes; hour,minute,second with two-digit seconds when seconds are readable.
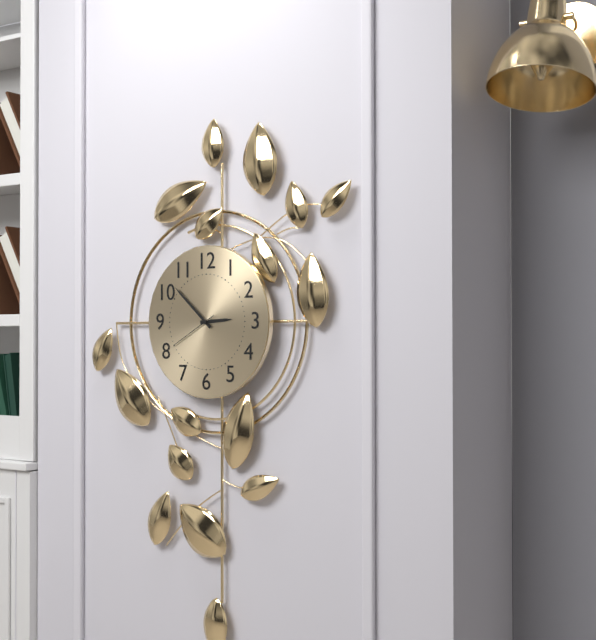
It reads 2,52
